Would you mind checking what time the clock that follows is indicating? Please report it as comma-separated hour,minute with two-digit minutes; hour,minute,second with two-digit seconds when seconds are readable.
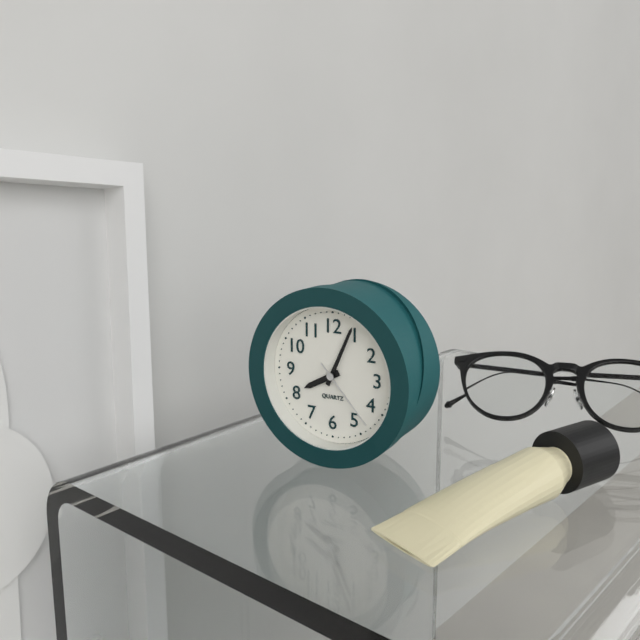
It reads 8,04,23
